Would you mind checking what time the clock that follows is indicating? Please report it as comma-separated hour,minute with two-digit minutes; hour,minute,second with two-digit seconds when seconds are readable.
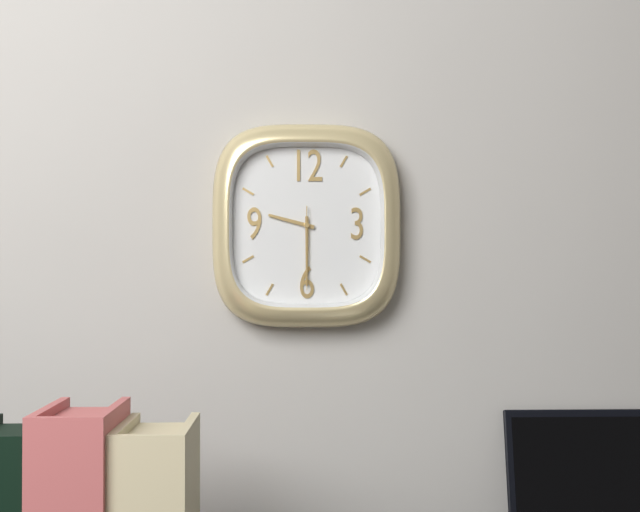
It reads 9,30,30
